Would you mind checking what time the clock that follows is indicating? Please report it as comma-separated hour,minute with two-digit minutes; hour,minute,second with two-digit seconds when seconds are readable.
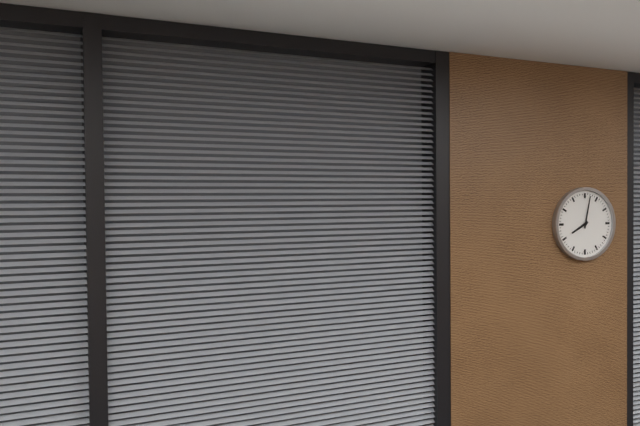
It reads 8,02
